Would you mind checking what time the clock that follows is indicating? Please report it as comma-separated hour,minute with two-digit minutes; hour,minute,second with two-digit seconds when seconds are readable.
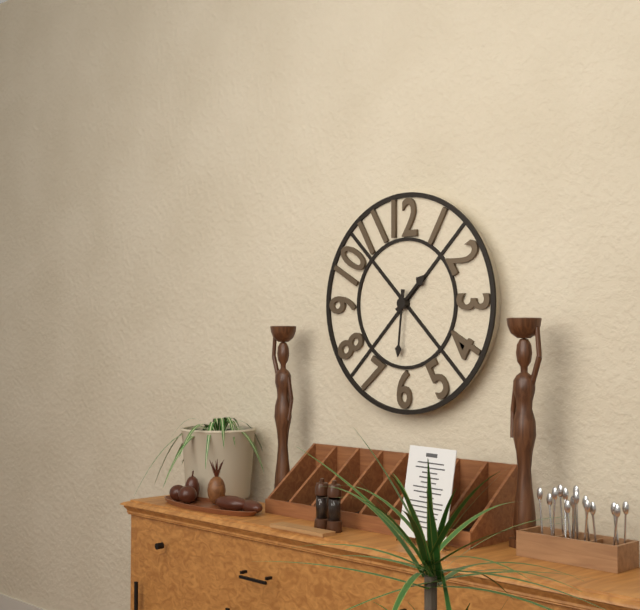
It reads 1,31
